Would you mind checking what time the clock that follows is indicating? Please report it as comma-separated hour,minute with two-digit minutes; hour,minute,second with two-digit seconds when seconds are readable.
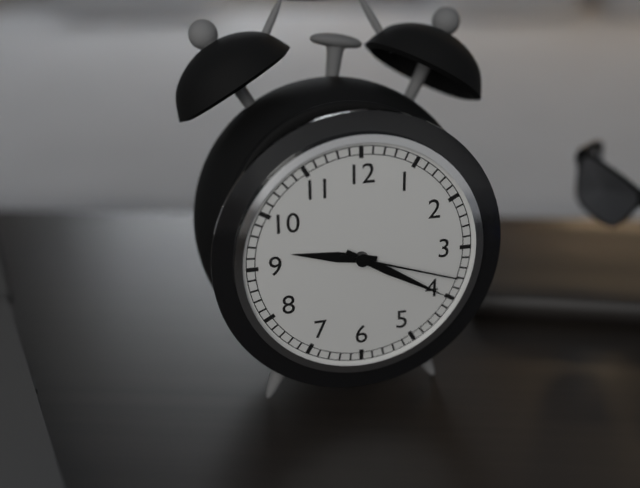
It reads 9,20,18
